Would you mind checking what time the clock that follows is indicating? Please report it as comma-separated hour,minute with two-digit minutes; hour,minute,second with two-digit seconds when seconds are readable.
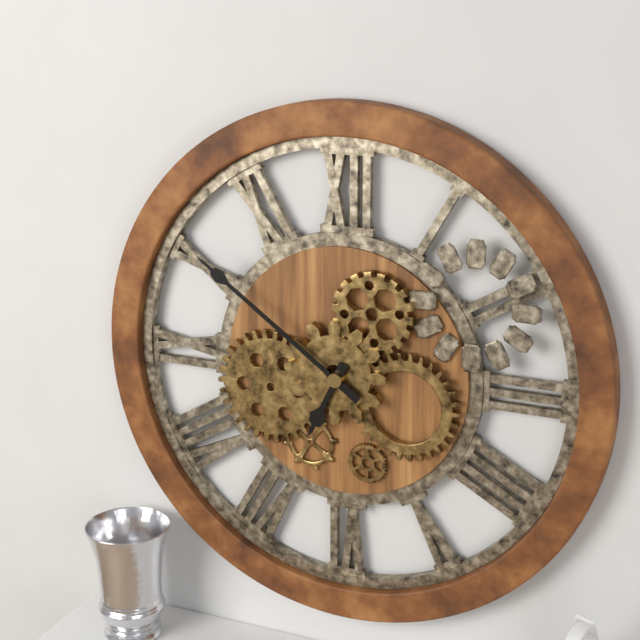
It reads 6,51
